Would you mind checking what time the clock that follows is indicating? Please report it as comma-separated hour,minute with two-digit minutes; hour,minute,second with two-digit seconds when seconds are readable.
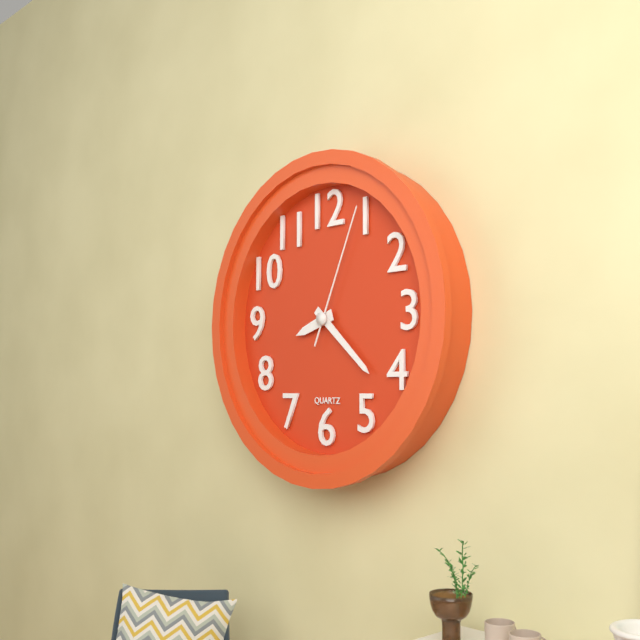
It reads 8,22,04
